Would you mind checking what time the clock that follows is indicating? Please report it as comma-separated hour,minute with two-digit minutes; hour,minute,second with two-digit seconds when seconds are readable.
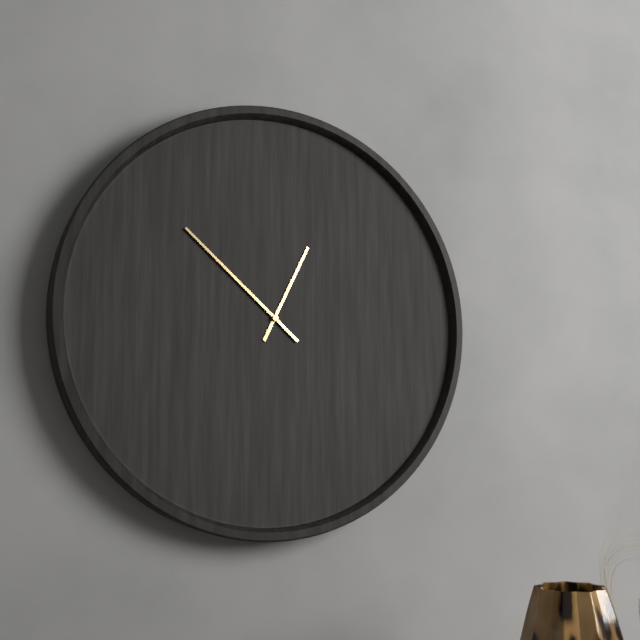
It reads 12,52
